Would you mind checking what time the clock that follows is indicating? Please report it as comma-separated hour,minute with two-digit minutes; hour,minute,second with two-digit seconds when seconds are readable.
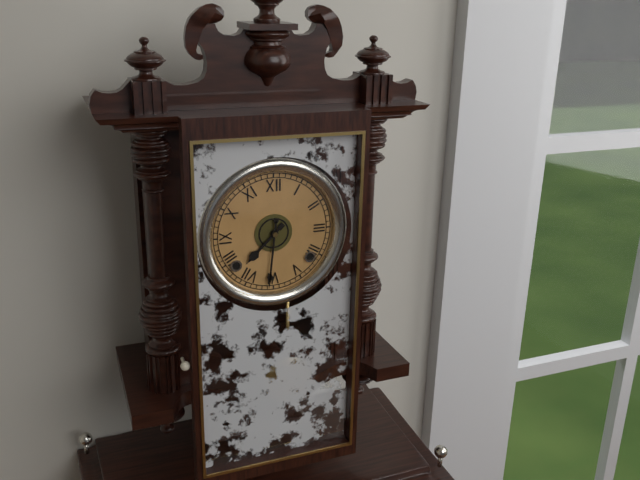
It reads 7,31
